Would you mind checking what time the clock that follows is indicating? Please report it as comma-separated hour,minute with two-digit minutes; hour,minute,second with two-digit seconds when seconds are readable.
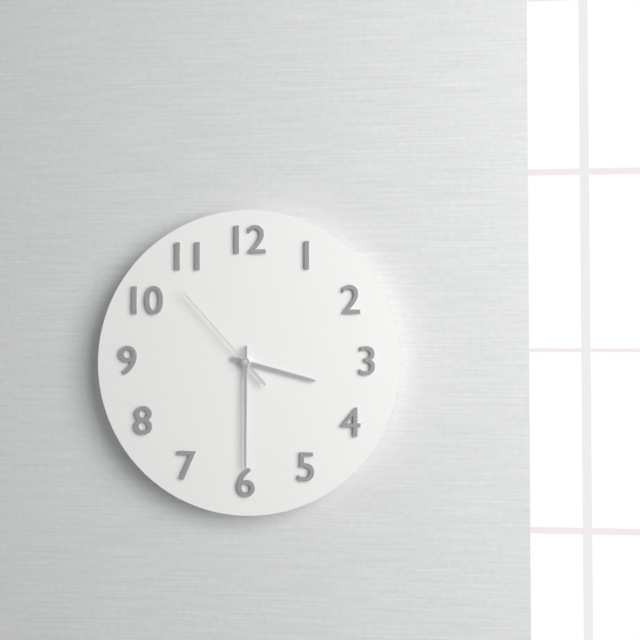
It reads 3,30,53
